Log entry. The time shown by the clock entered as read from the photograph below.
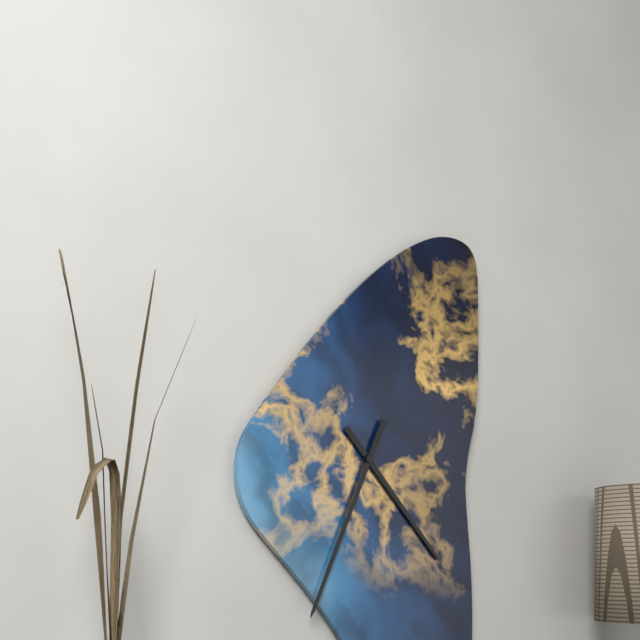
4:34
